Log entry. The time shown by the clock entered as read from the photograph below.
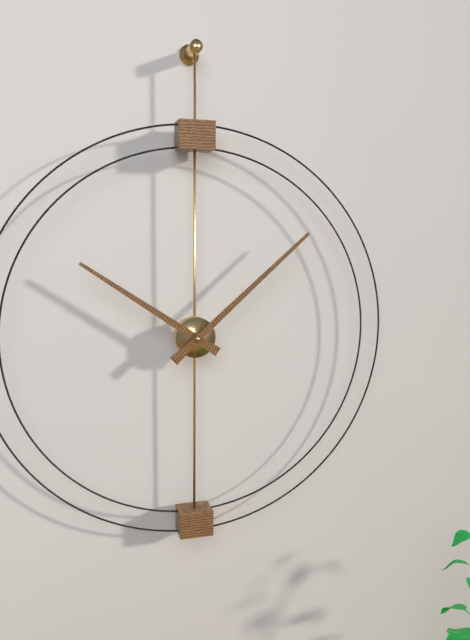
10:08
